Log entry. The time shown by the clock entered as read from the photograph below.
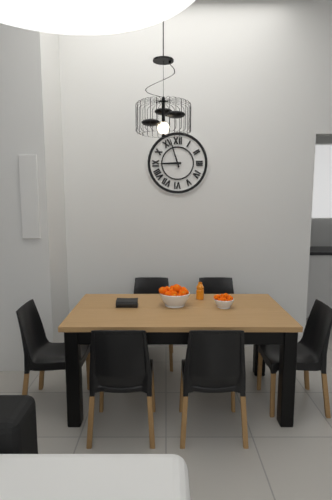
8:57
